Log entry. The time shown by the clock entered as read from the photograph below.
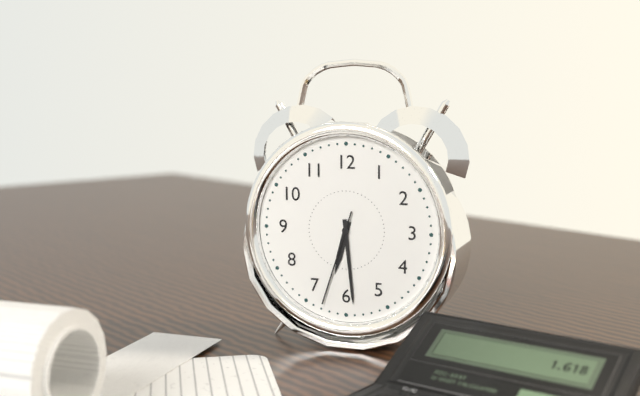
6:29:33
